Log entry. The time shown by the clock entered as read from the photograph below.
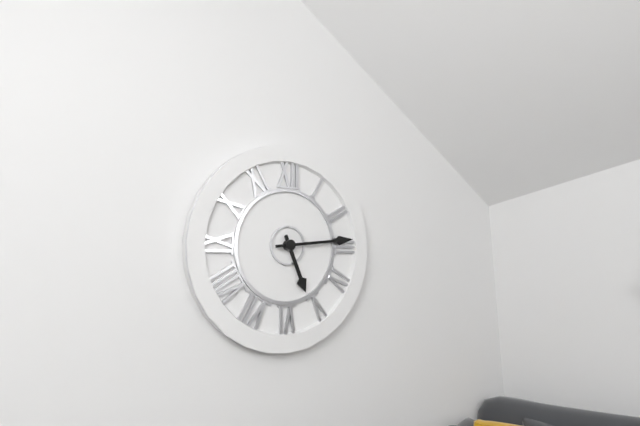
5:14
